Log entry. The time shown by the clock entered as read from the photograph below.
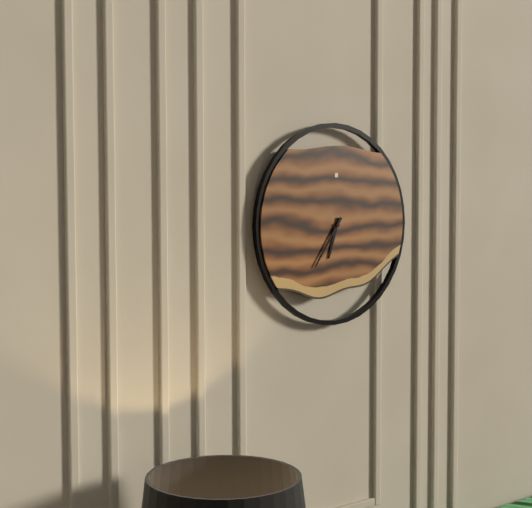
6:36
